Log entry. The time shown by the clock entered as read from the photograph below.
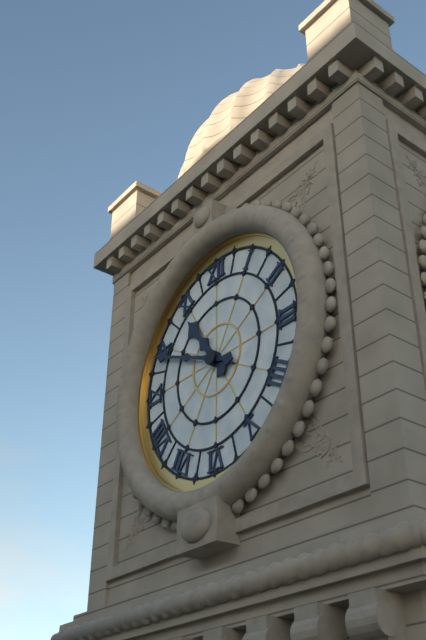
10:49
